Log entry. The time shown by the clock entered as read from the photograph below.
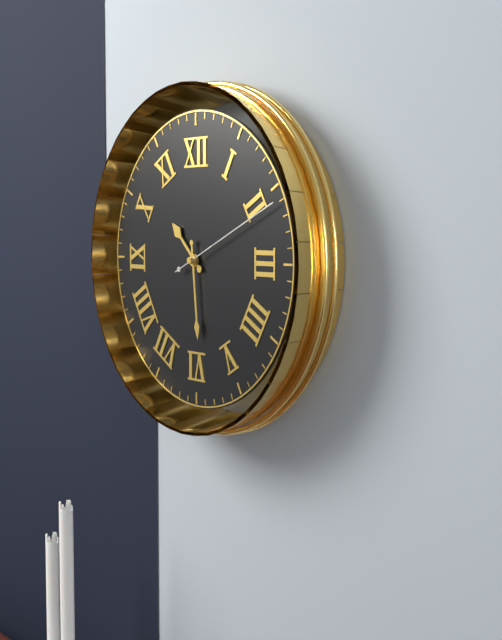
10:29:11
